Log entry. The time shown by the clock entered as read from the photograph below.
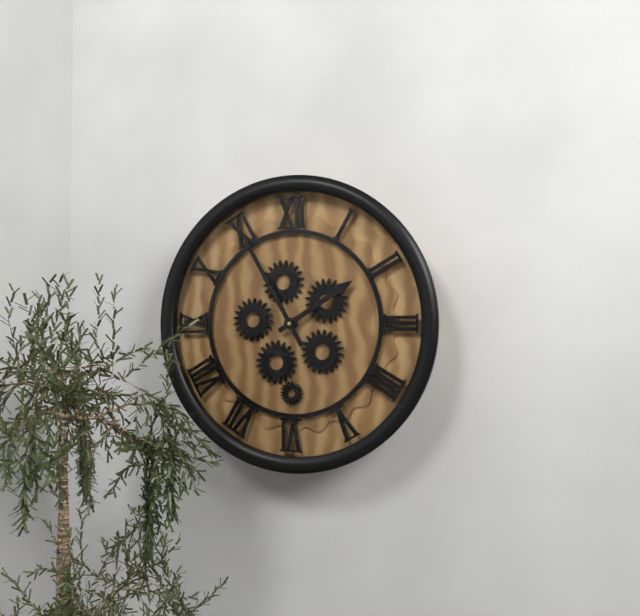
1:55
